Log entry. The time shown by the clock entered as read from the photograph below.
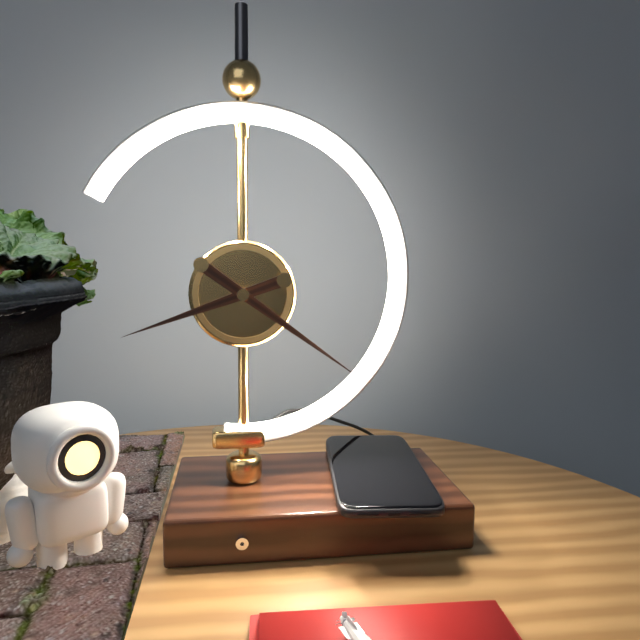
8:21
